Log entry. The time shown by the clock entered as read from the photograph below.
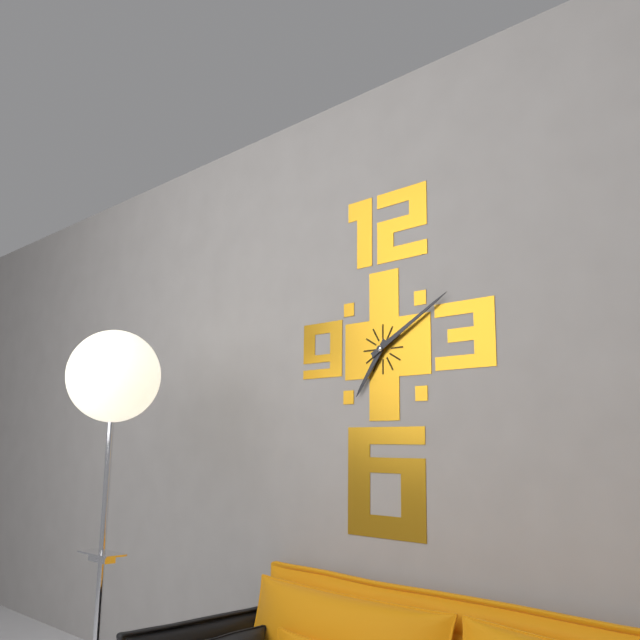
7:10
